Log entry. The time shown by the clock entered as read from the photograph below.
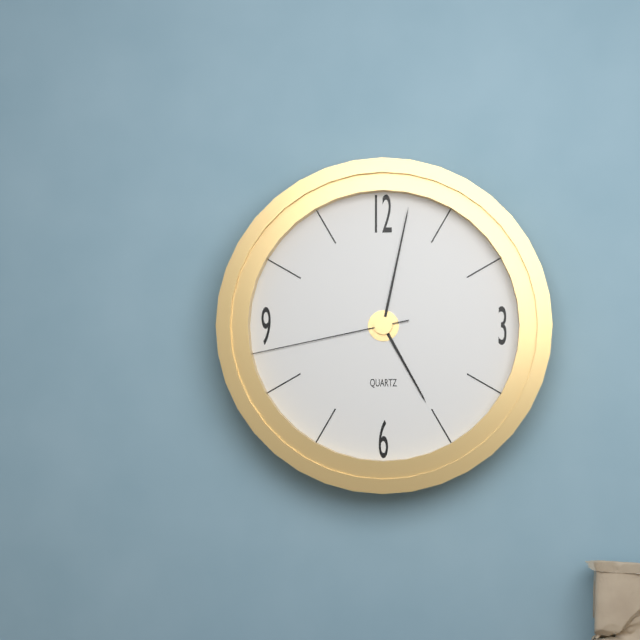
5:02:43
